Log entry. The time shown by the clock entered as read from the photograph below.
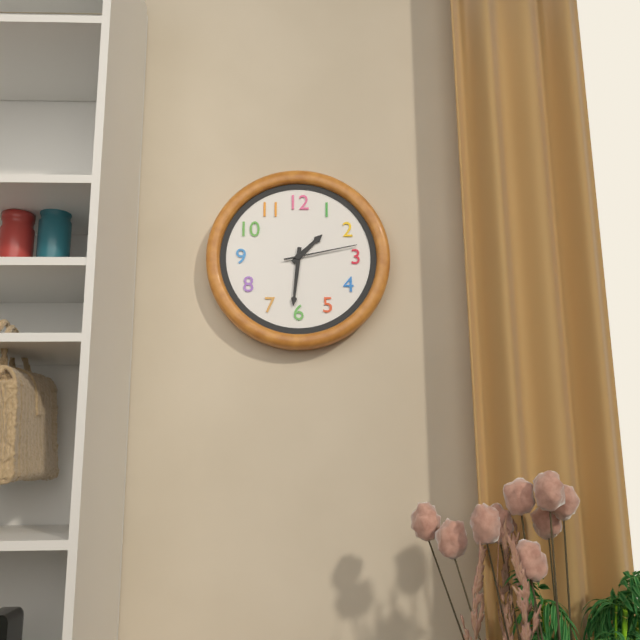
1:31:13
